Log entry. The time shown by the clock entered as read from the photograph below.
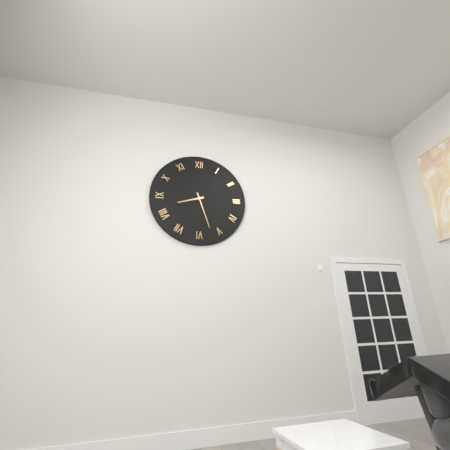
8:27
